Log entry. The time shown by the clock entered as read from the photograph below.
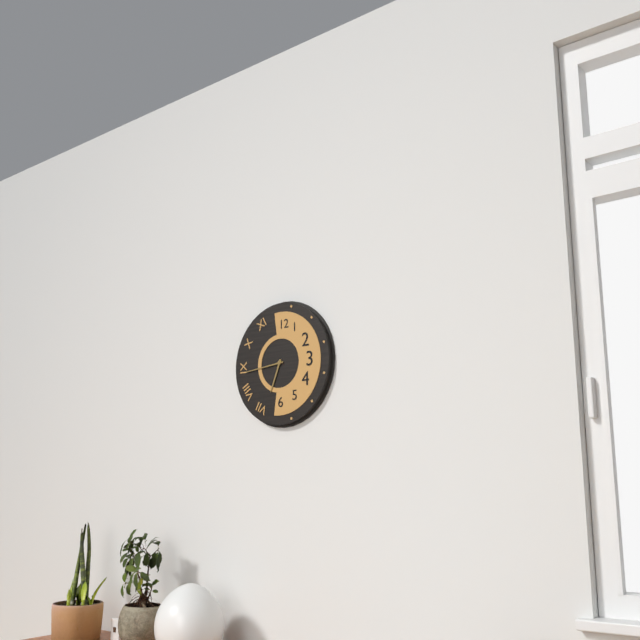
6:44
